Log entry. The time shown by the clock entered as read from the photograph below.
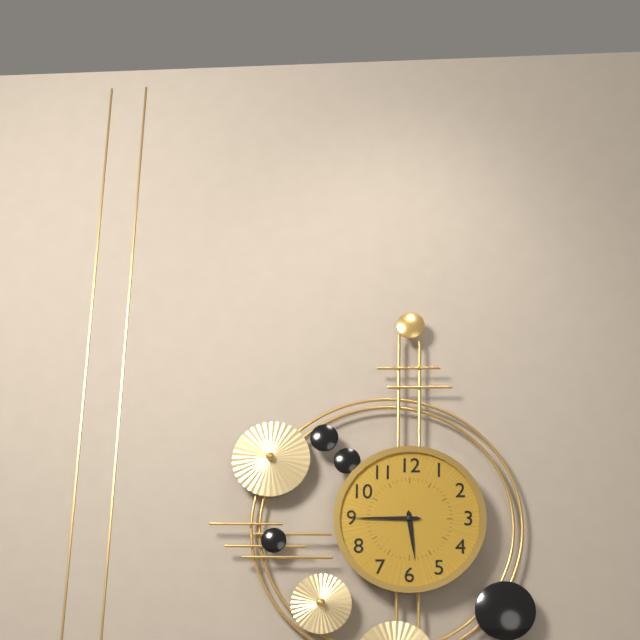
5:45
